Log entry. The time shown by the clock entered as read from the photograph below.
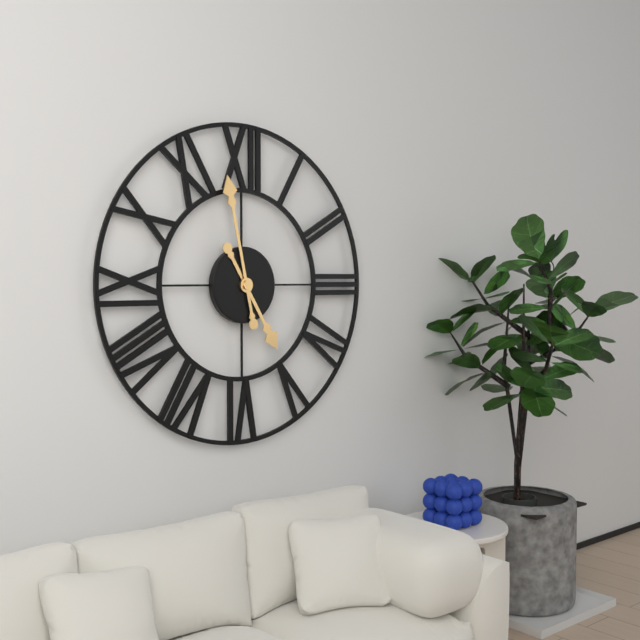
4:58
